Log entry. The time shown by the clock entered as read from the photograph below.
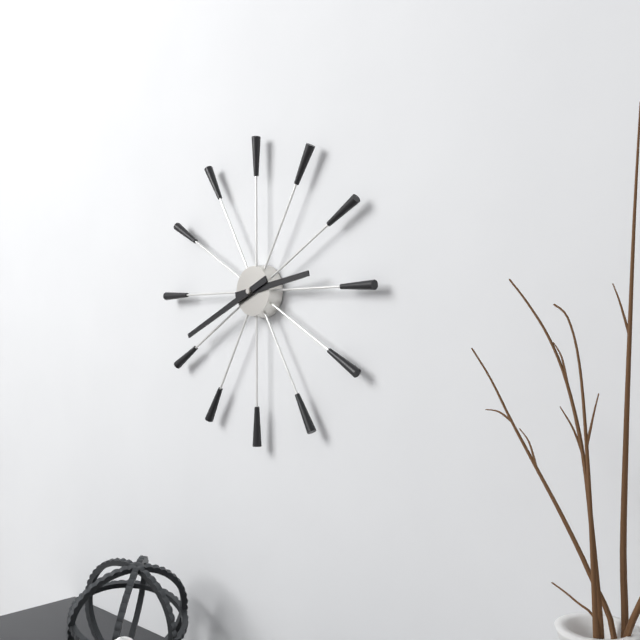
2:41
